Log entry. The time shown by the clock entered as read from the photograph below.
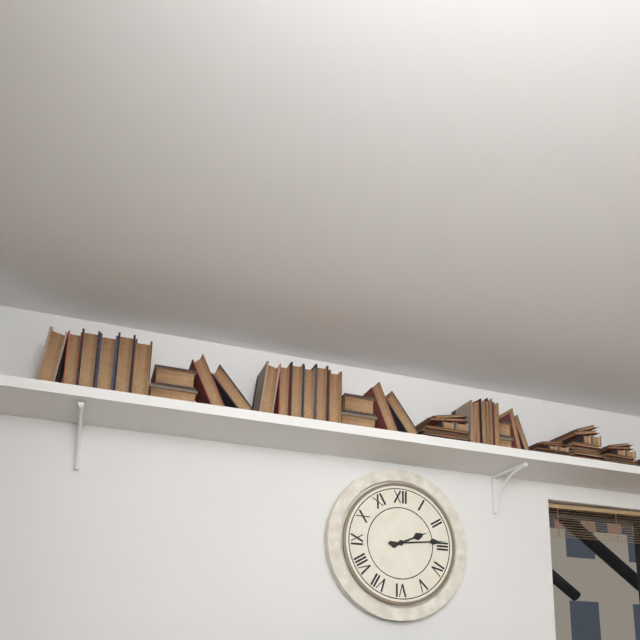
2:14
